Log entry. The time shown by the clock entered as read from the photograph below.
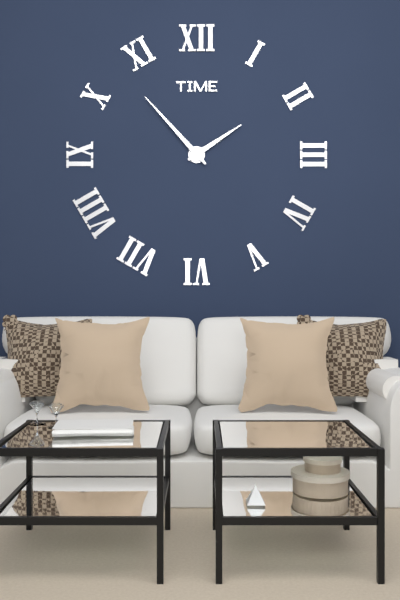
1:53
